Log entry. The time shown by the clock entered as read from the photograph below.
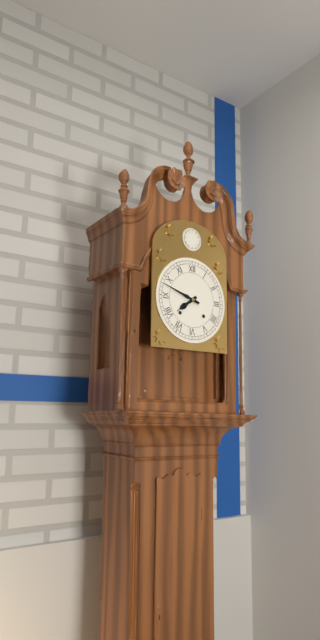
7:48
